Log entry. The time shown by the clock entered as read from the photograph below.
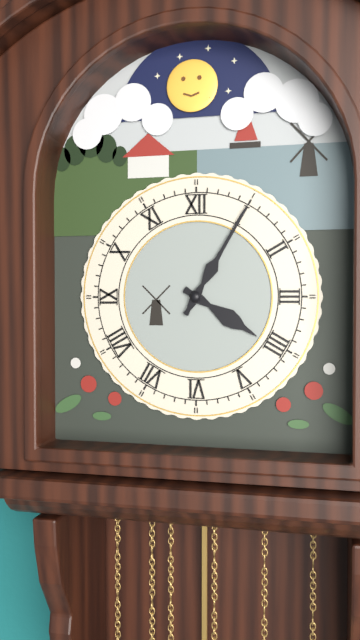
4:05
